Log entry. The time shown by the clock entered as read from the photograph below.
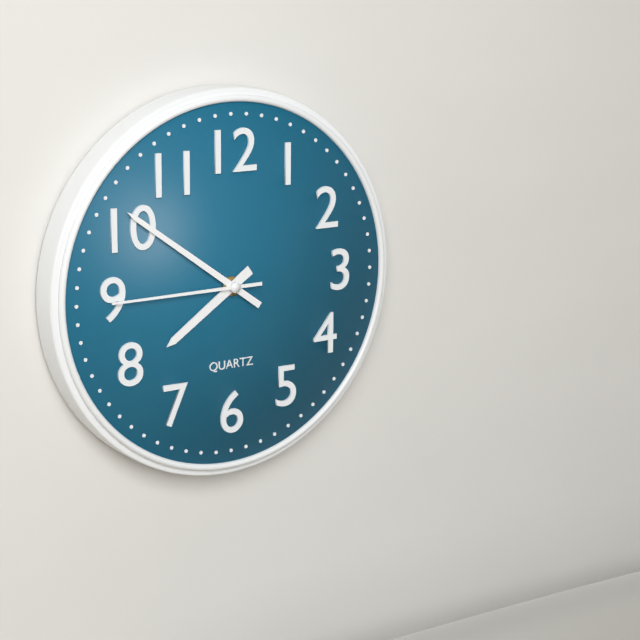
7:51:45
